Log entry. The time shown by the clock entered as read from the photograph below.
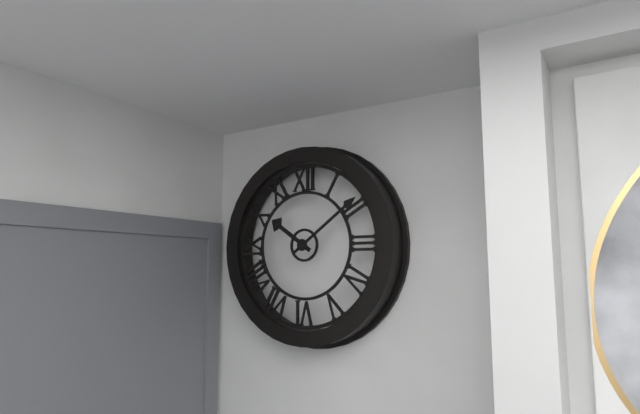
10:09
